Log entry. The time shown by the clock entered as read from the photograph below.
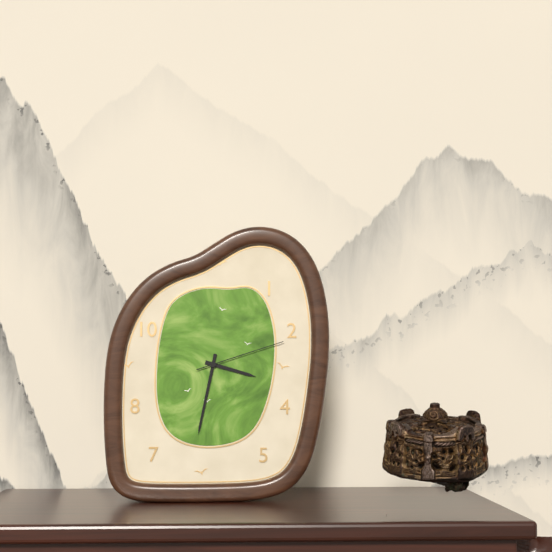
3:32:12
